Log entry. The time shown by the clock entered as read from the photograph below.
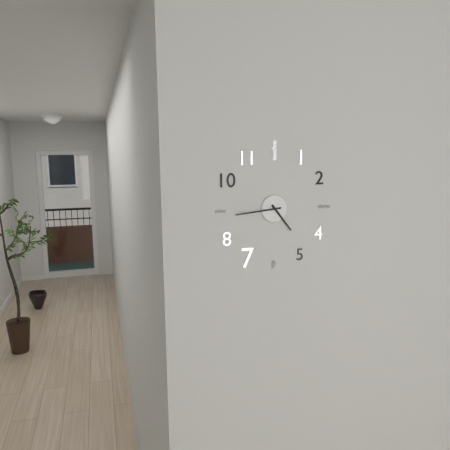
4:44
